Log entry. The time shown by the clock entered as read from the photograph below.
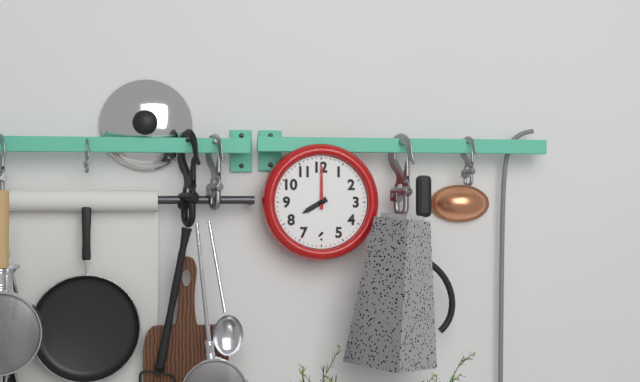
8:00
